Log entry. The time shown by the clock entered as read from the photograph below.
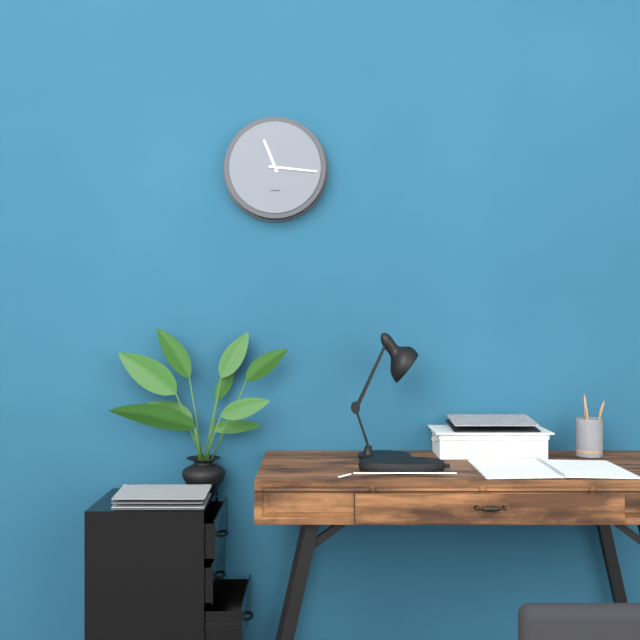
11:16
